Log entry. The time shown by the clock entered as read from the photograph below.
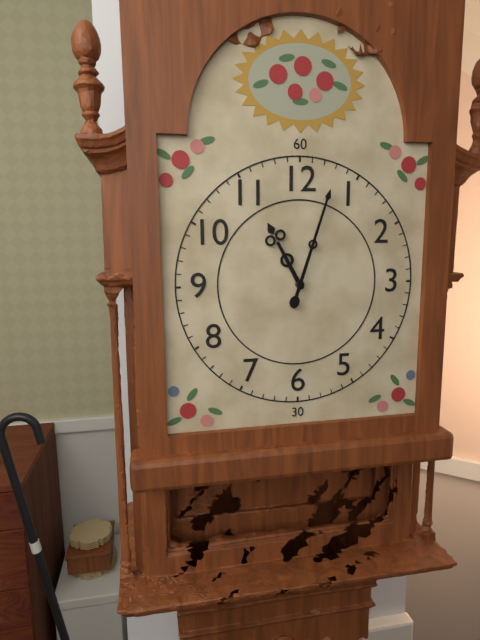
11:03
